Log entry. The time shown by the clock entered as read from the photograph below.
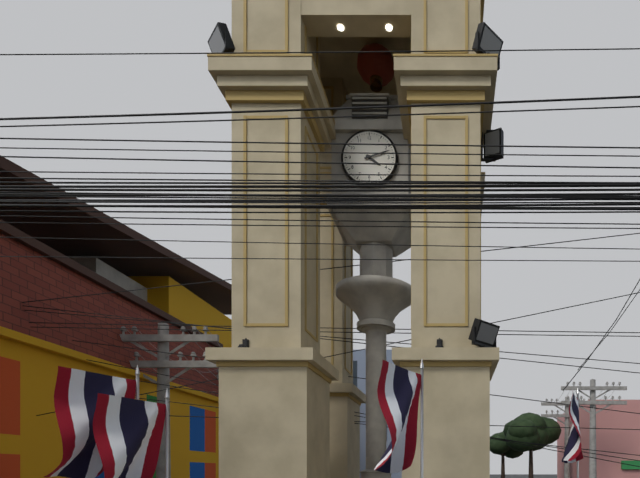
4:12
